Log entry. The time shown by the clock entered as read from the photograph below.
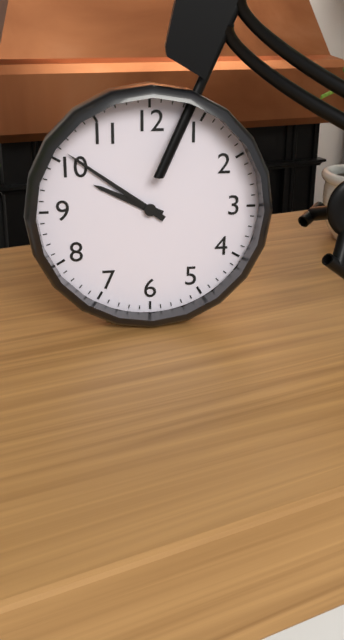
9:51
